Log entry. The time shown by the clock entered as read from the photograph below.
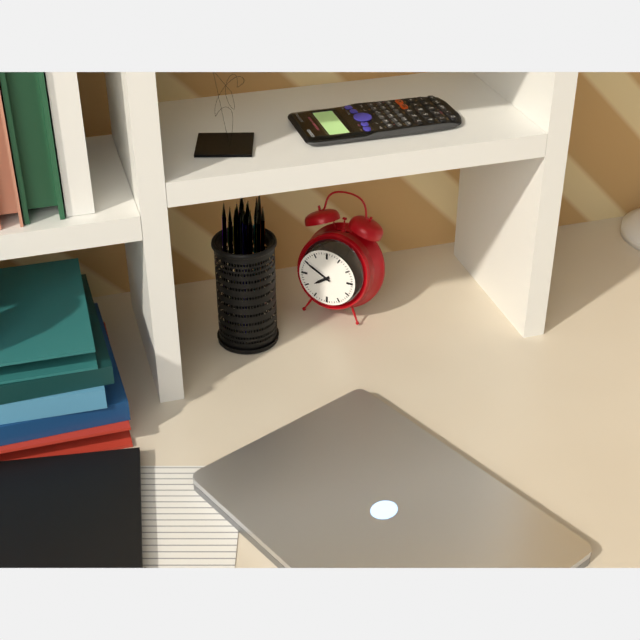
7:50
